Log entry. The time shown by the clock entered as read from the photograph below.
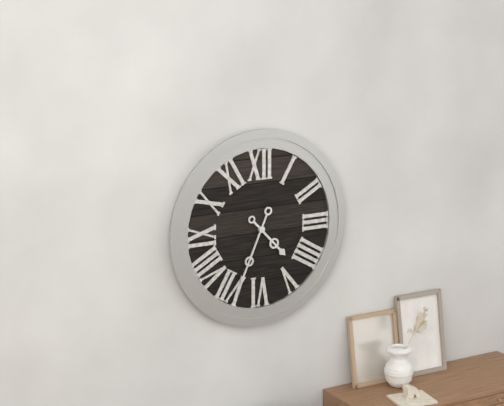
4:34
